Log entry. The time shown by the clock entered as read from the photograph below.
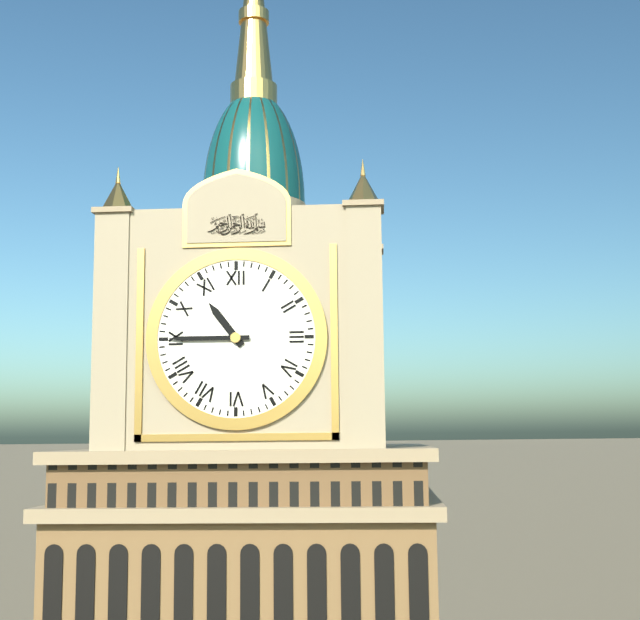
10:45
